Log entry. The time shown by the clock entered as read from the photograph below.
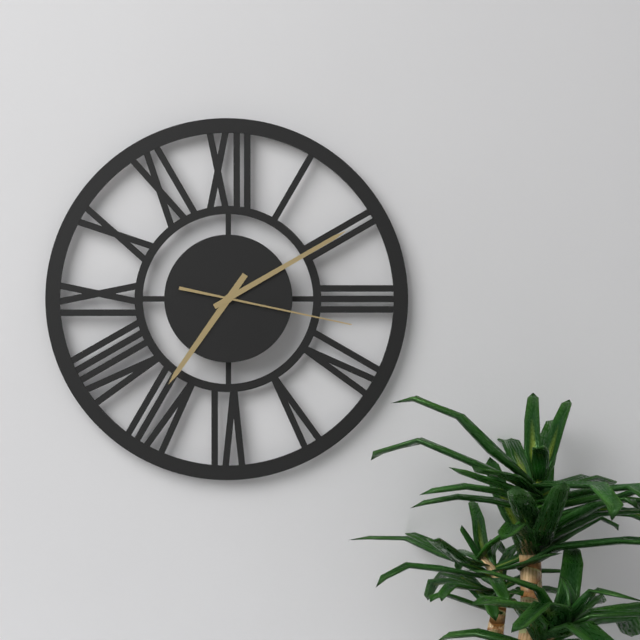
7:10:17
